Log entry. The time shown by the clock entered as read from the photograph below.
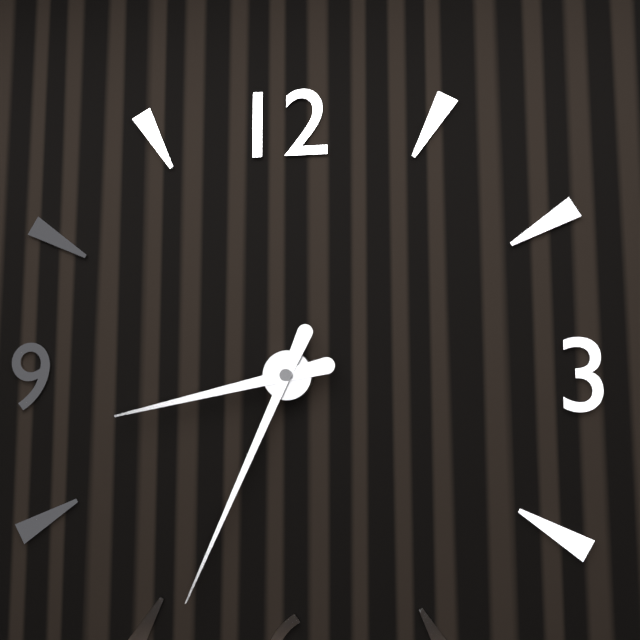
8:34
